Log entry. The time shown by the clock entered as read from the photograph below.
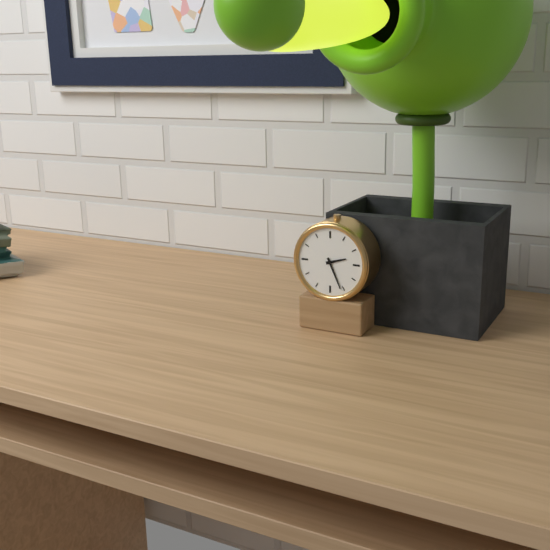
2:26
